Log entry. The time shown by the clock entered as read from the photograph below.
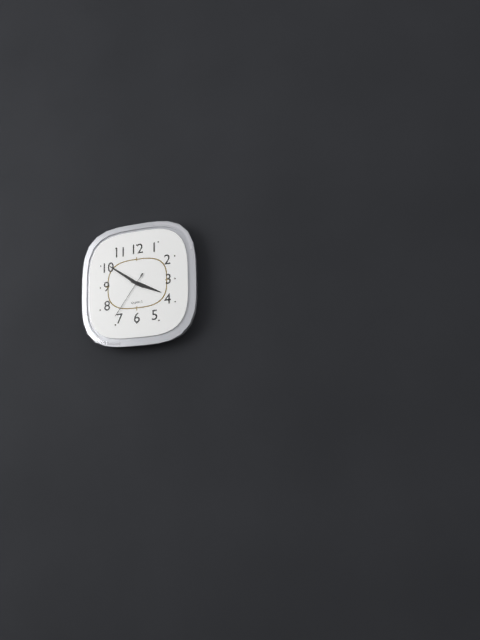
3:51
